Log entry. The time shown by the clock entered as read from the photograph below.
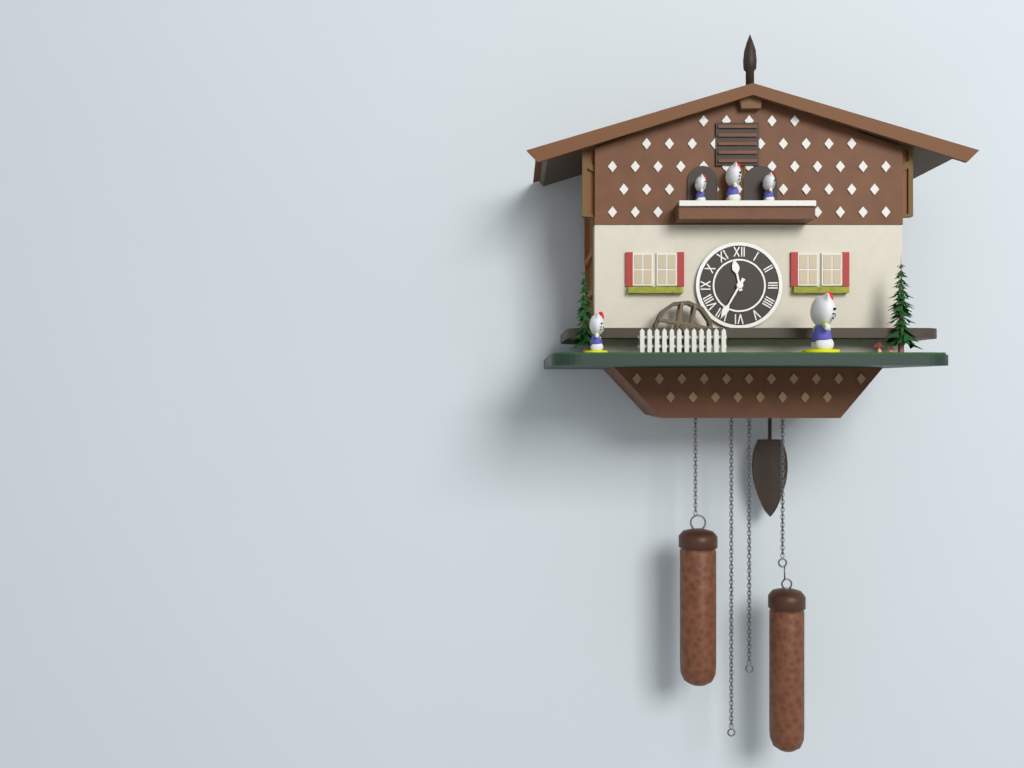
11:35
